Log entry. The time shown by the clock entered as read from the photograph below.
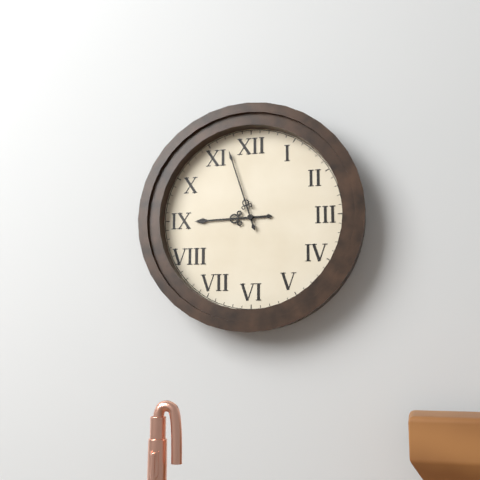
8:57
